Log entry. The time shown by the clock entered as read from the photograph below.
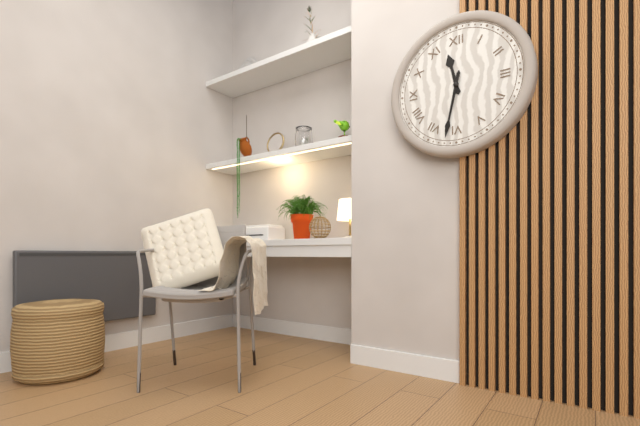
11:32
